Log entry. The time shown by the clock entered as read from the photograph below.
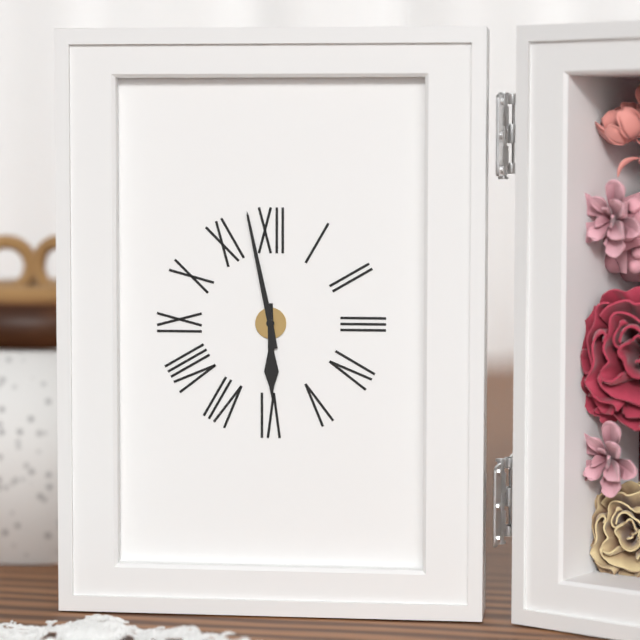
5:58
